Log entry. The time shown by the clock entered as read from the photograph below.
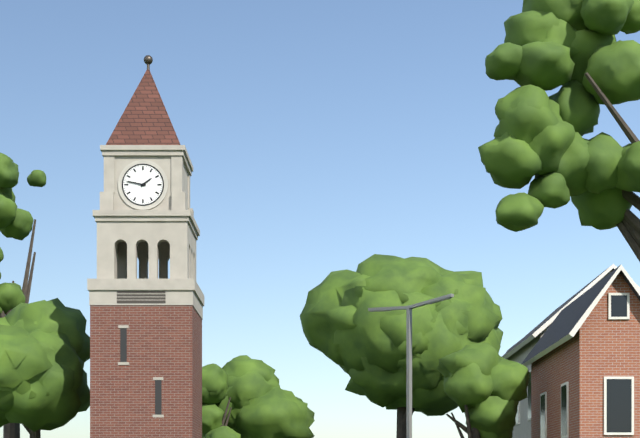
1:47
